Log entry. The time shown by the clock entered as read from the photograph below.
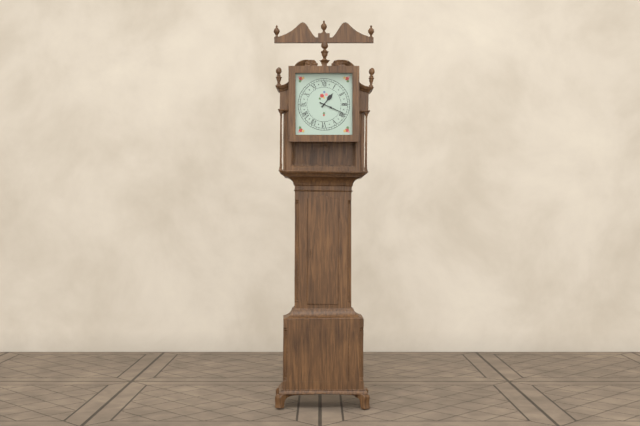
1:19
